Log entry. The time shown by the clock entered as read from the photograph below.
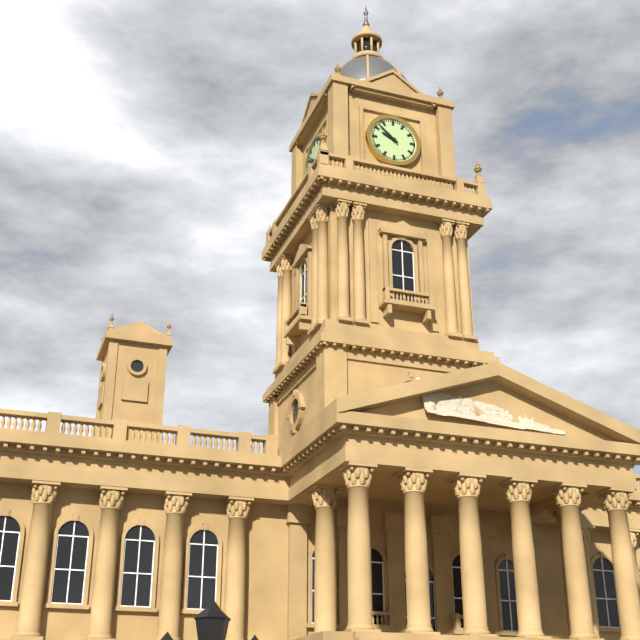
9:52
